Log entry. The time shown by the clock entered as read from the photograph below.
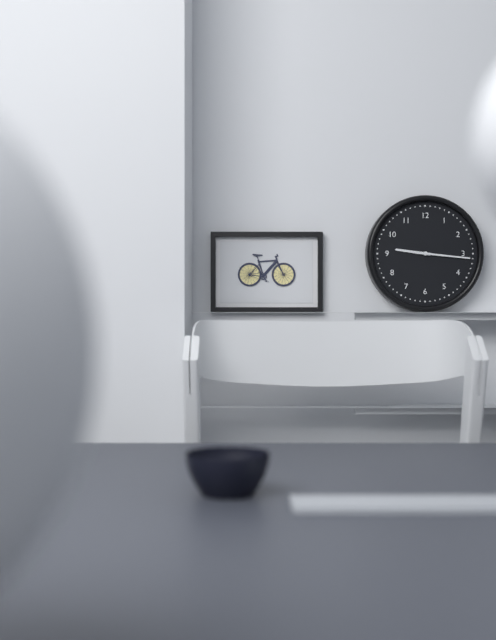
9:16
